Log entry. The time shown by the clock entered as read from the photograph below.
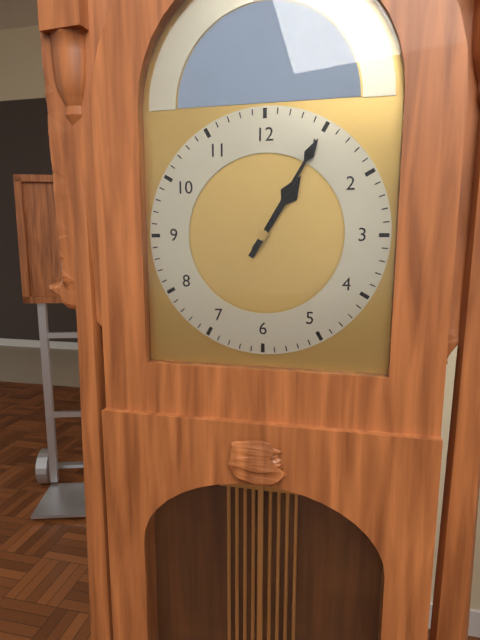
1:05
